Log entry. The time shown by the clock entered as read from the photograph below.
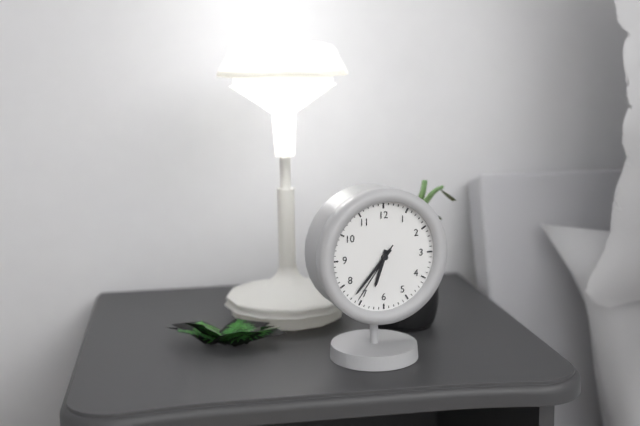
6:37:36
